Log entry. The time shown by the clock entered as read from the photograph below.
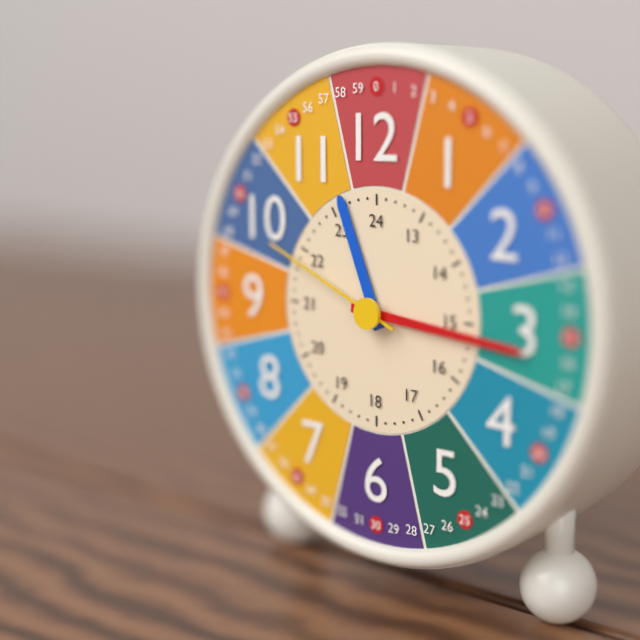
11:16:49
